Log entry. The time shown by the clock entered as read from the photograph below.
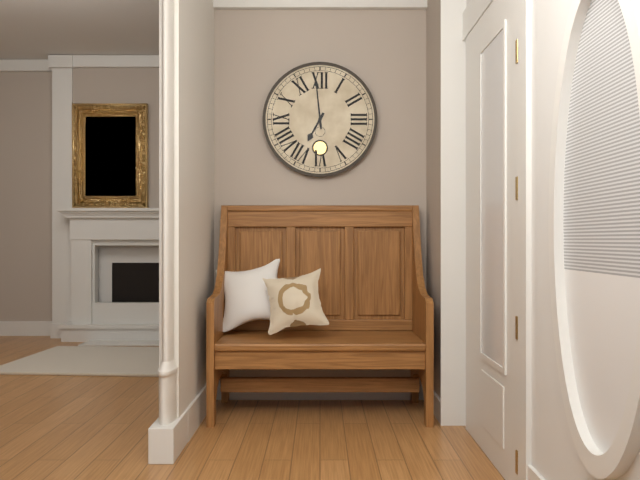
6:59
